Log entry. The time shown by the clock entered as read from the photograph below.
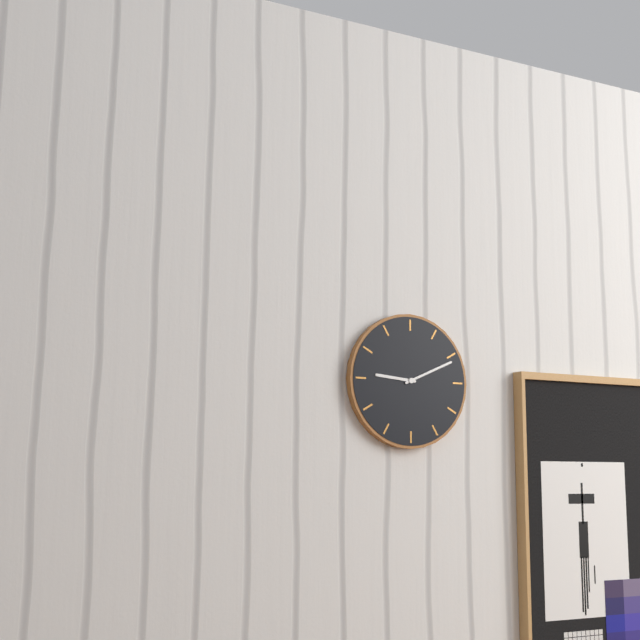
9:11
